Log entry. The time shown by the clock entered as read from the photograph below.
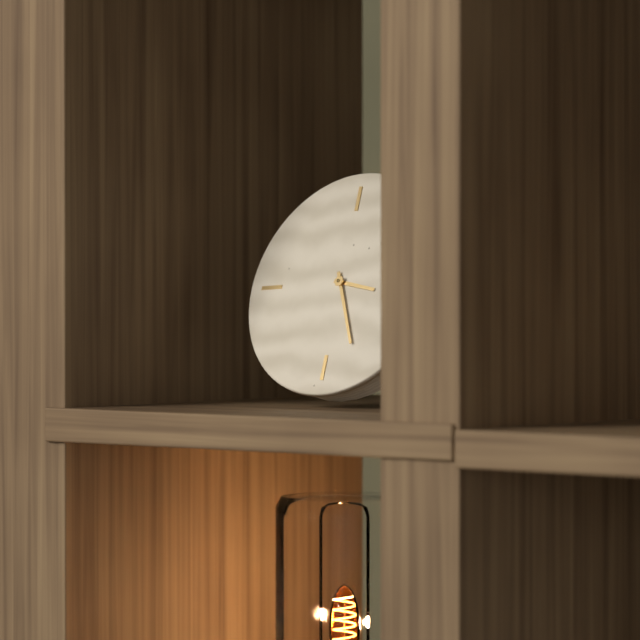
3:26
